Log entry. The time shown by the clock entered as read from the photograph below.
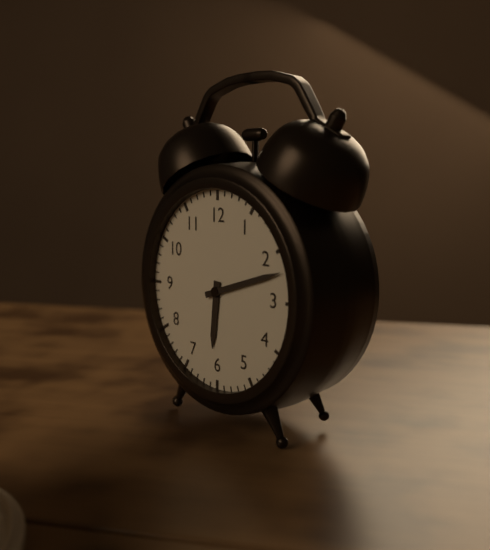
6:12
